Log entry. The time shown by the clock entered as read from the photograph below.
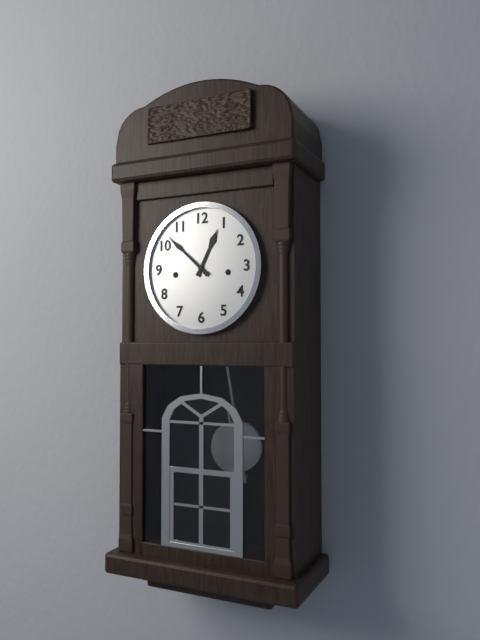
12:52
